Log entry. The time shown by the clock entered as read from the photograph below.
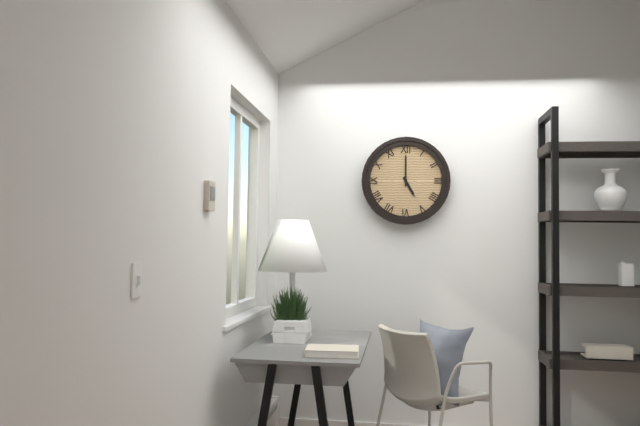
5:00
